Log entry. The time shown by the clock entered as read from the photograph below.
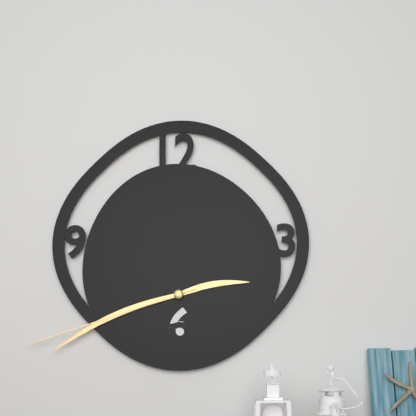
2:41:42
